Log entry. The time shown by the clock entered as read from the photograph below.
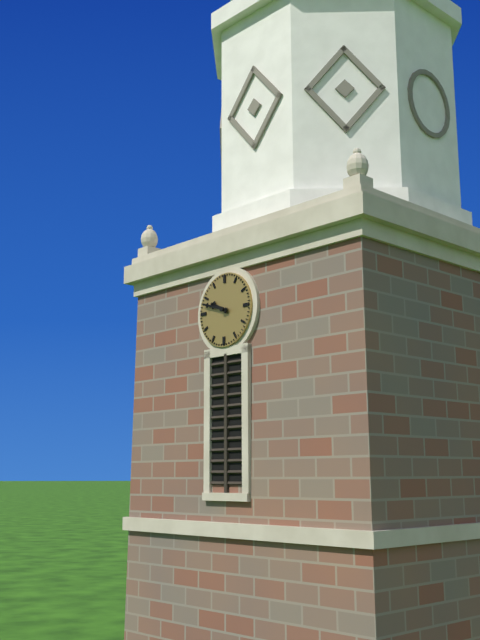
9:48
